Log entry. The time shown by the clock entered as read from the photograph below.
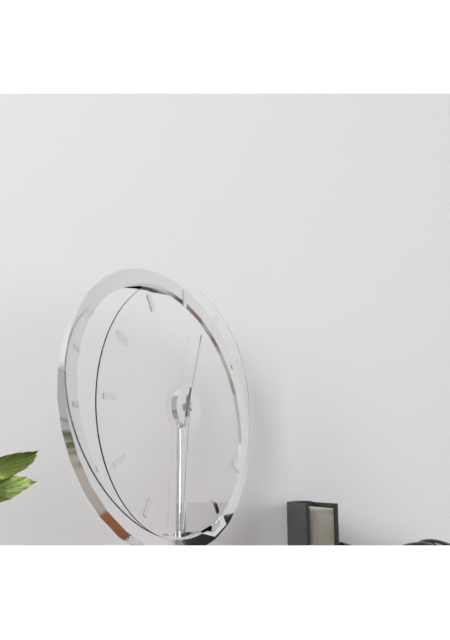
12:31
